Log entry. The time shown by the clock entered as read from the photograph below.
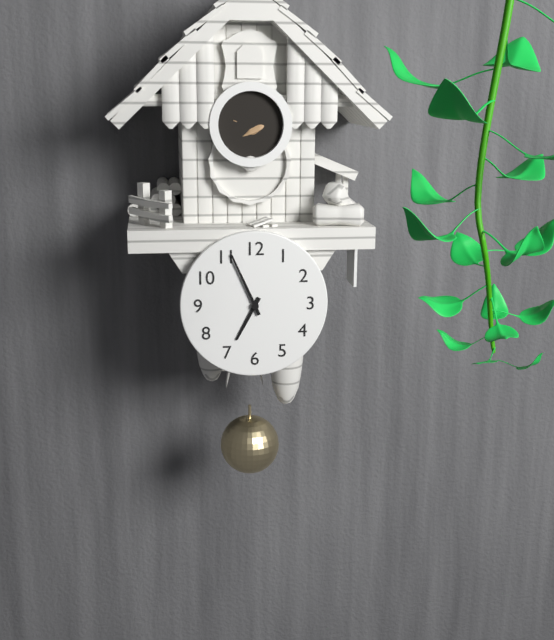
6:56
